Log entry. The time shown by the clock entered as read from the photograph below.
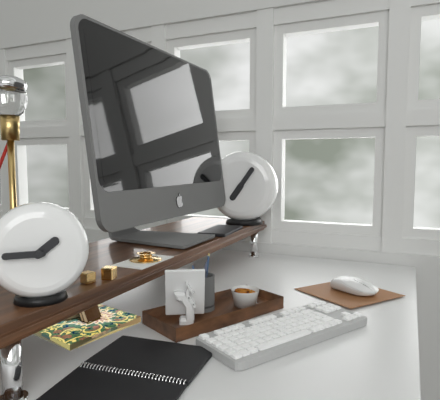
1:45
